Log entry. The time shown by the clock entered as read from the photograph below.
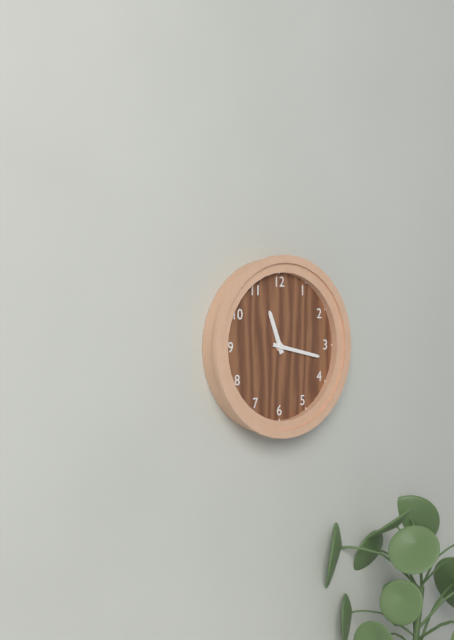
11:17
